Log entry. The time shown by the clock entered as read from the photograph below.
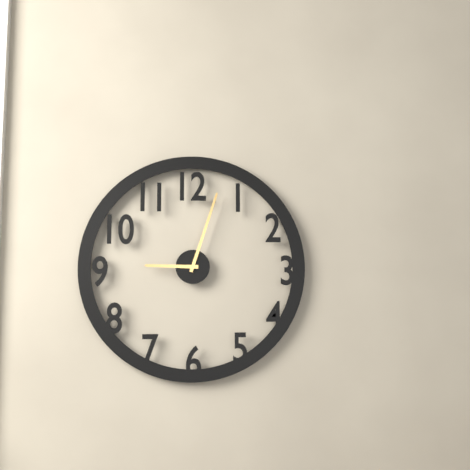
9:03
